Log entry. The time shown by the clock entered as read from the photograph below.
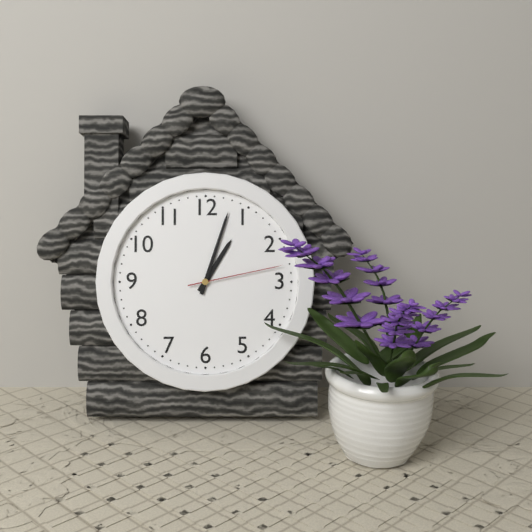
1:03:13
